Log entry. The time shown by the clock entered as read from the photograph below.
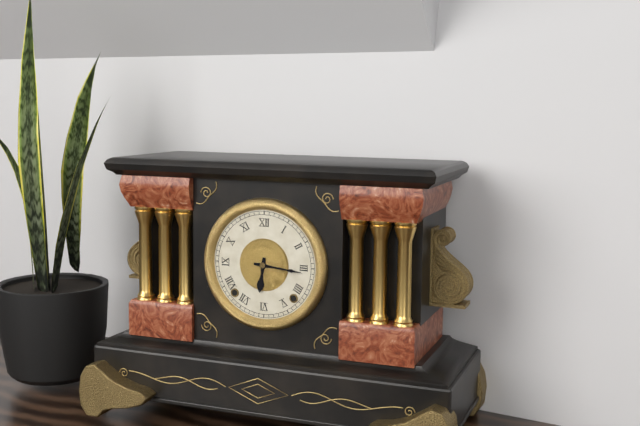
6:16
